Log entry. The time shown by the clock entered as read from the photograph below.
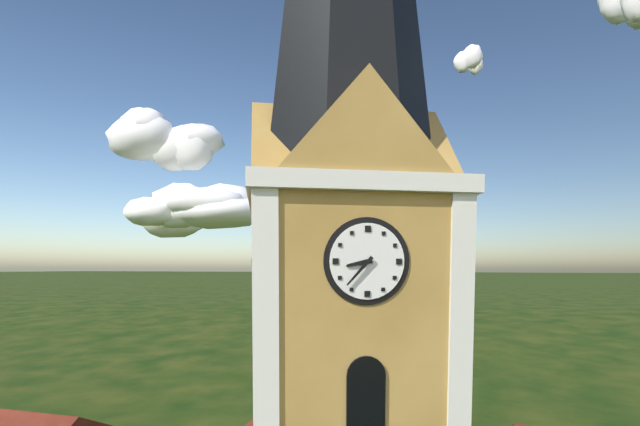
8:37
